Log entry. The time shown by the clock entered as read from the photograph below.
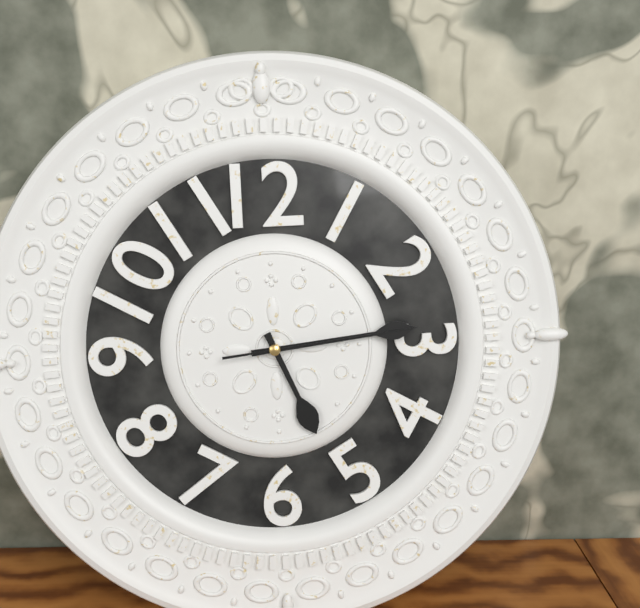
5:14:14
